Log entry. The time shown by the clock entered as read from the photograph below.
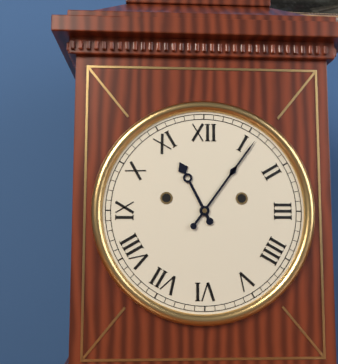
11:06
